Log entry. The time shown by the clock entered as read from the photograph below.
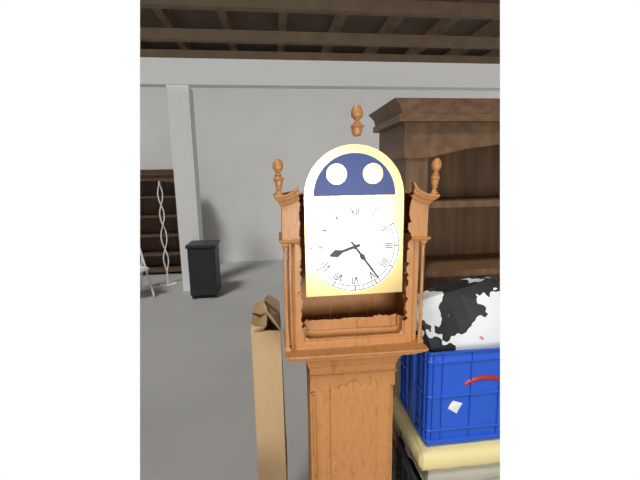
8:24
